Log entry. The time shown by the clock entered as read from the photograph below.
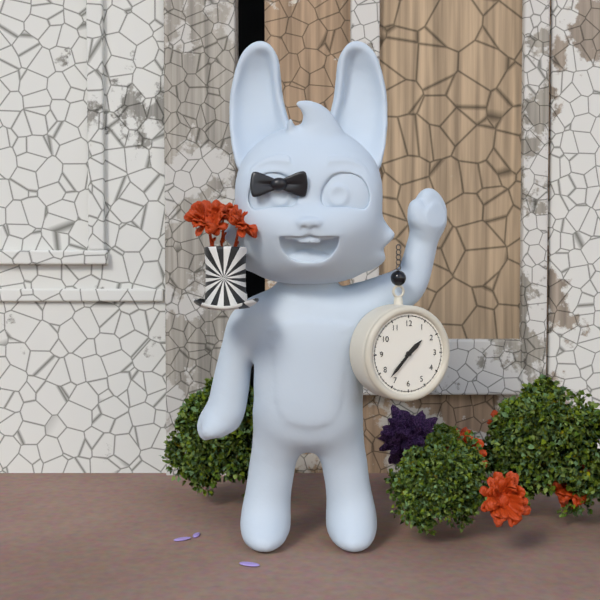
1:37
